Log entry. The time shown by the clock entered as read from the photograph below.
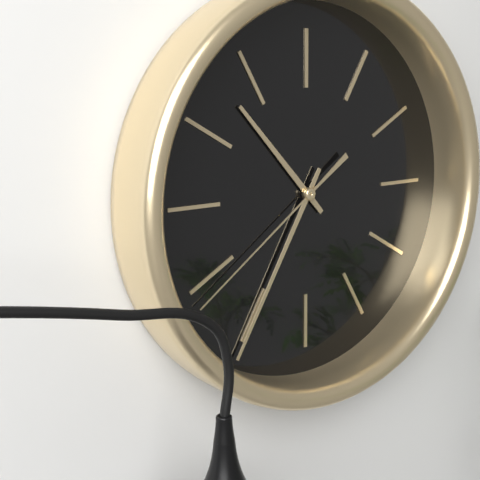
10:35:39
